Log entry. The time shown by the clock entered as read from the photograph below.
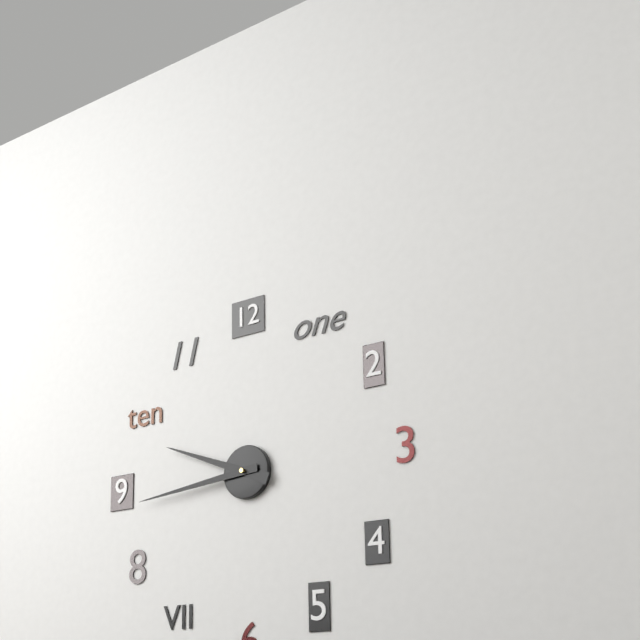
9:44
